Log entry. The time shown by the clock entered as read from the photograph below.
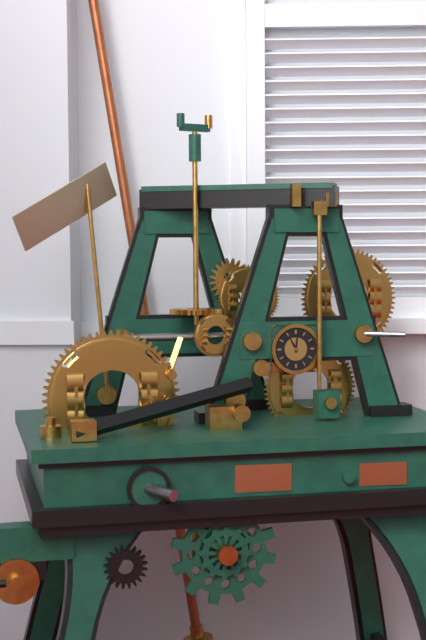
11:01
